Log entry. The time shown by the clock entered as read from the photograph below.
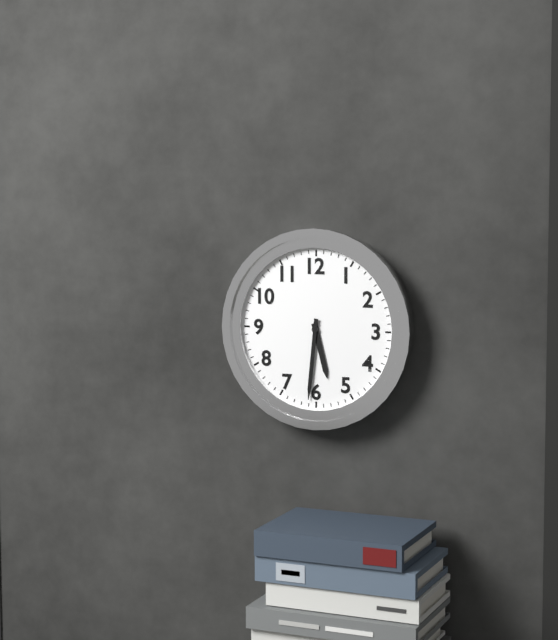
5:31
